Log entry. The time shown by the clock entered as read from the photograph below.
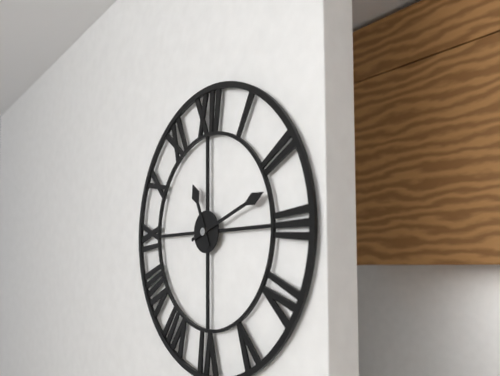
11:12
